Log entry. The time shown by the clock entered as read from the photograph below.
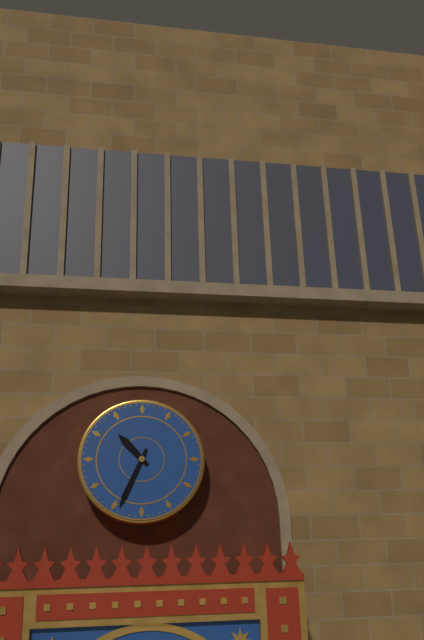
10:34
